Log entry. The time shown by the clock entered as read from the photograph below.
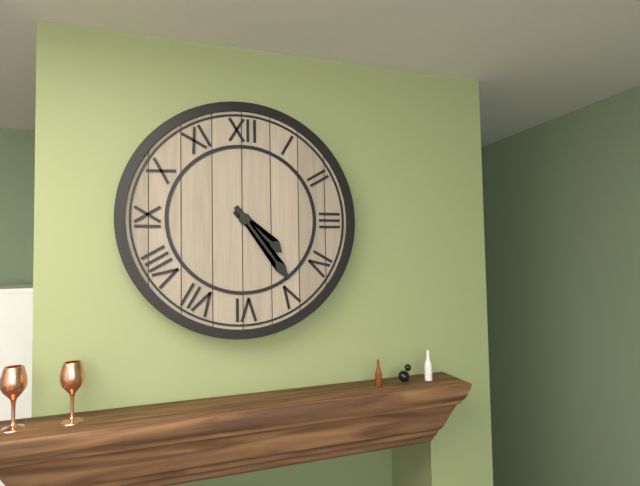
4:24
